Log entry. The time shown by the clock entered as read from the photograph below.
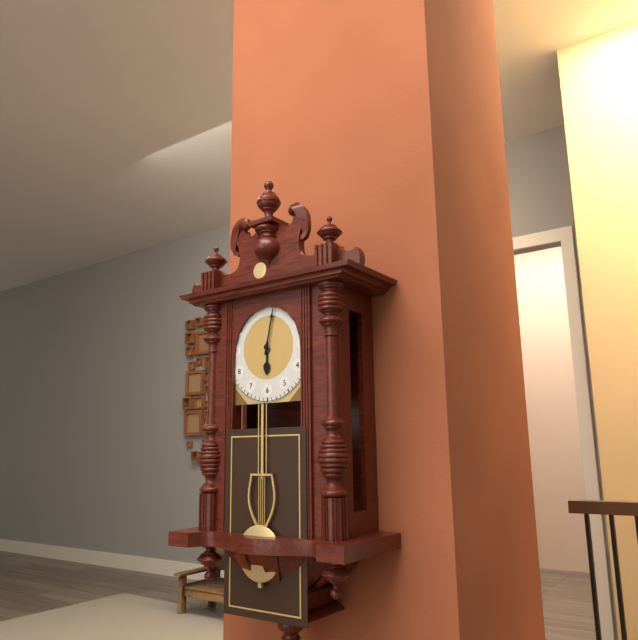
6:02
